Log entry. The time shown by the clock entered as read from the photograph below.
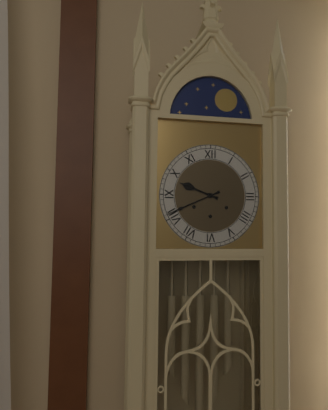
9:41
